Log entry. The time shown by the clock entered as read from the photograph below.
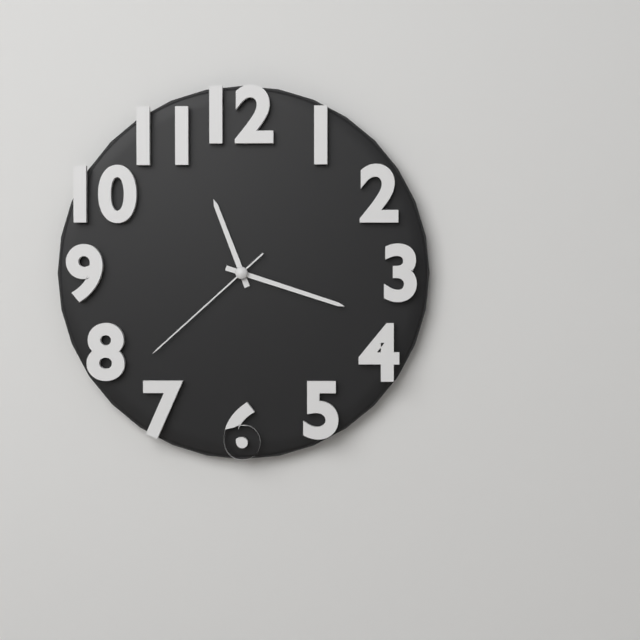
11:18:38
